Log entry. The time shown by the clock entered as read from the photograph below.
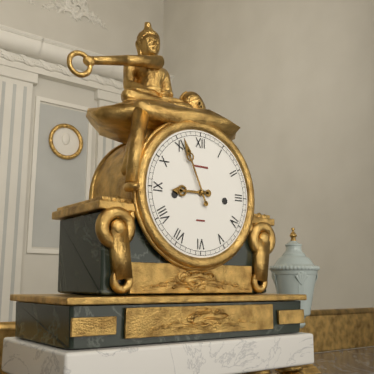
8:56
